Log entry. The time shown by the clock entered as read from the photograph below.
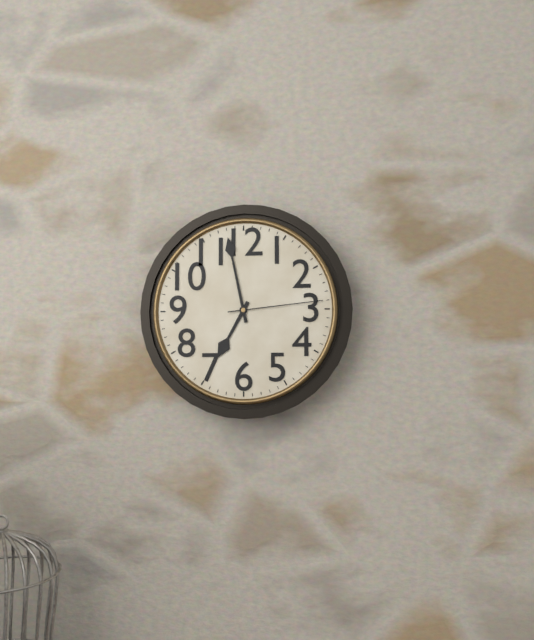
6:58:14
